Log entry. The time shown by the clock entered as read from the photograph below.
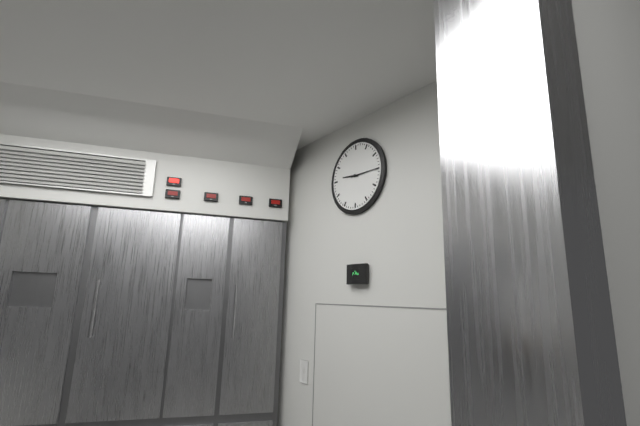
9:15
